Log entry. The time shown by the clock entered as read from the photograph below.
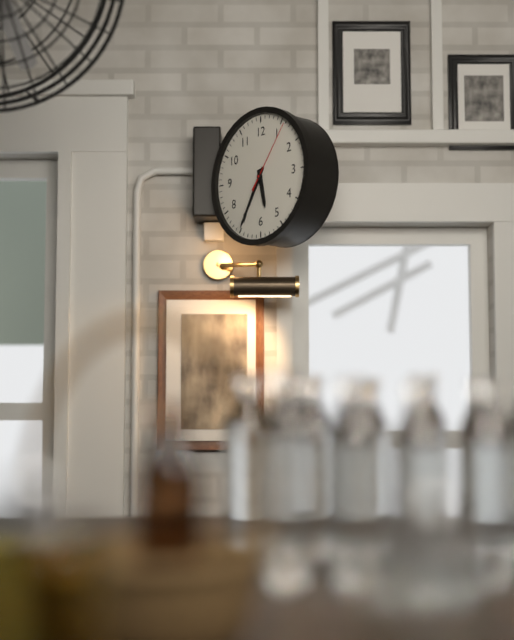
5:35:06
